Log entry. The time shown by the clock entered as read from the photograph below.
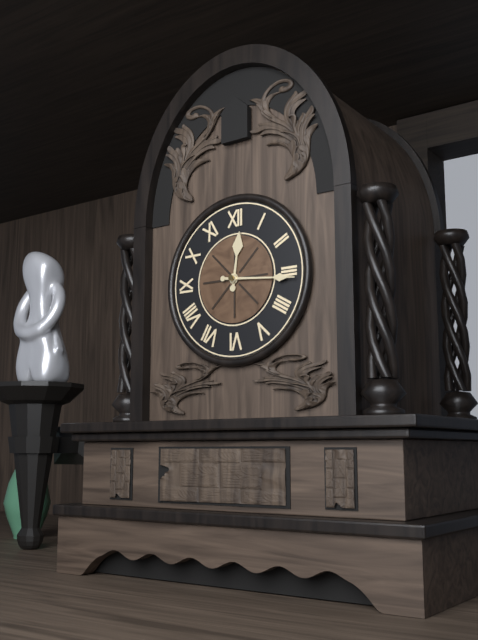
12:16
